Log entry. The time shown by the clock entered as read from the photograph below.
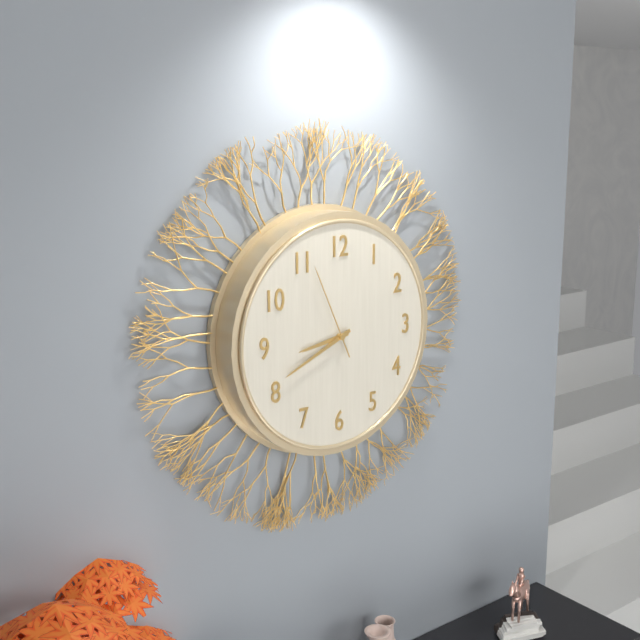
8:41:56
